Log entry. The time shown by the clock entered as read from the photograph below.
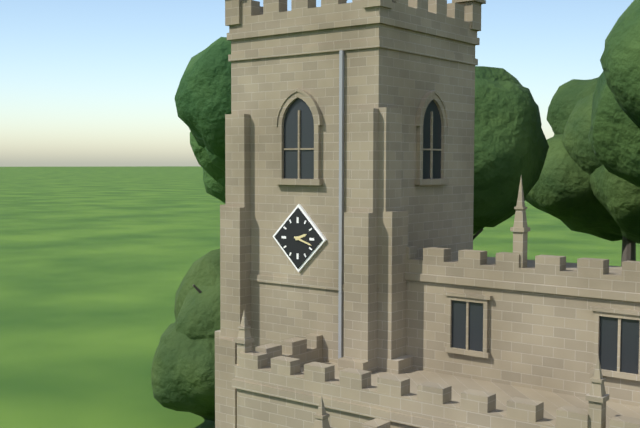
2:18
